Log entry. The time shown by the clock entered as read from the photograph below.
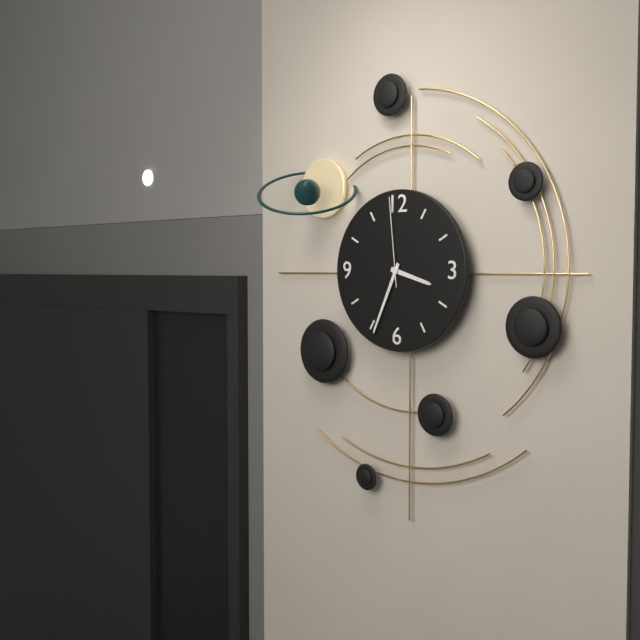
3:34:59
